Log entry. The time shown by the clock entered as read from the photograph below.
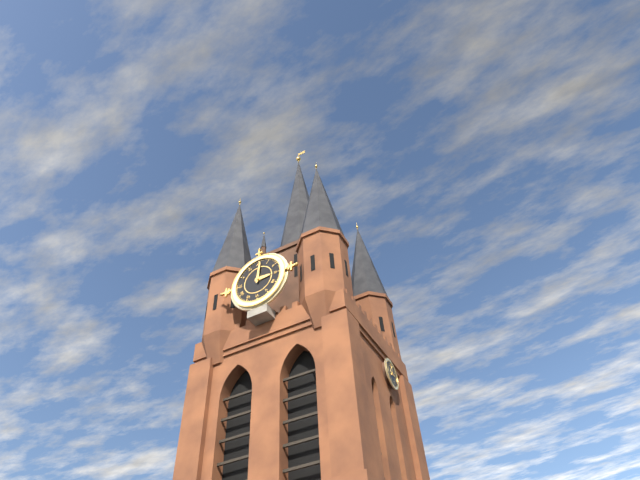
3:01
